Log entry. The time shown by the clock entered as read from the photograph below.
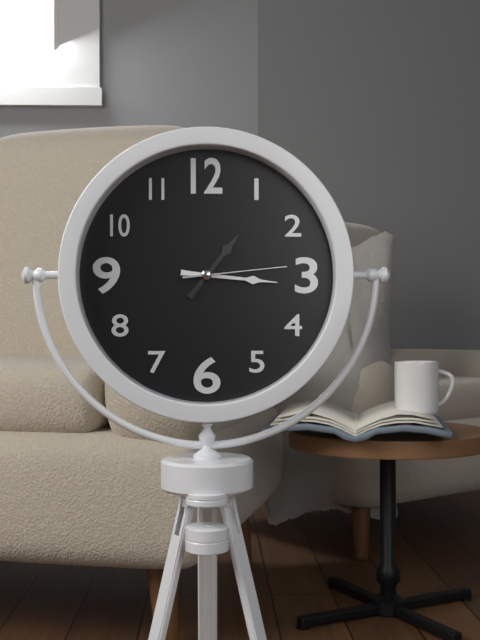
1:16:14
